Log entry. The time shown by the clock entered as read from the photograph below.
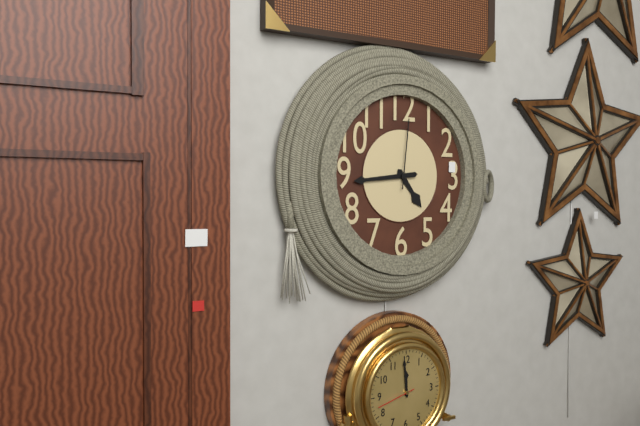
4:44:01
